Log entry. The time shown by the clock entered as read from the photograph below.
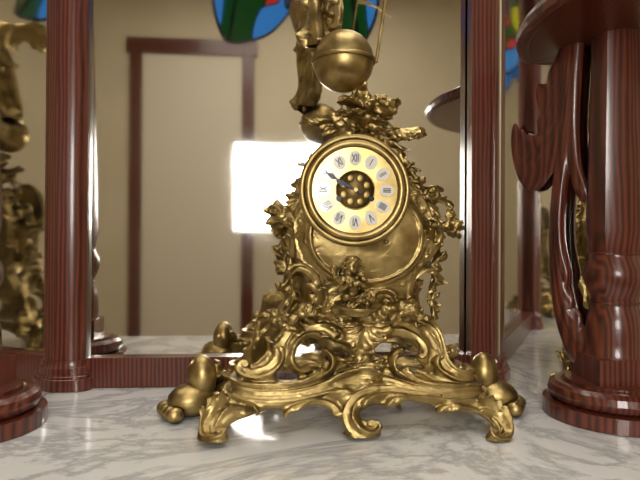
9:50
